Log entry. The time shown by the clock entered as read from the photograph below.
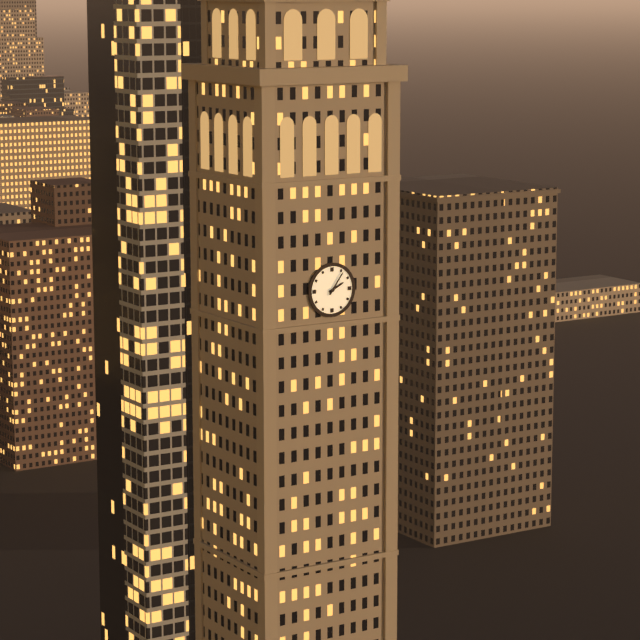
2:06
